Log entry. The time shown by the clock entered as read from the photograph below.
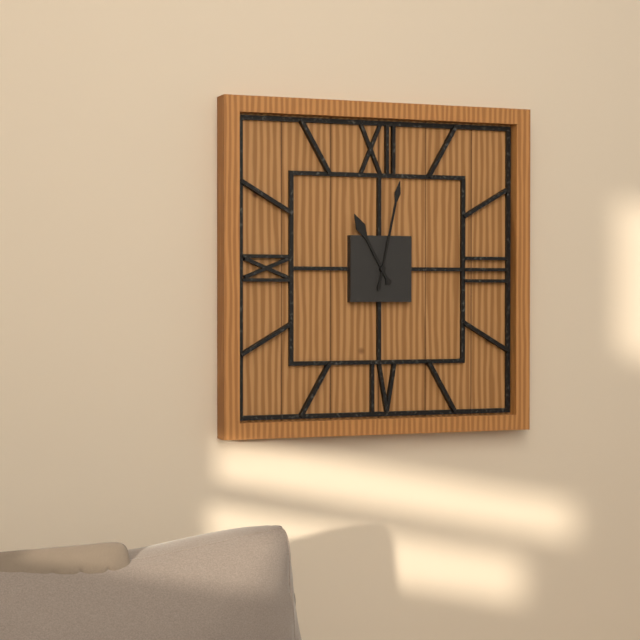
11:02
